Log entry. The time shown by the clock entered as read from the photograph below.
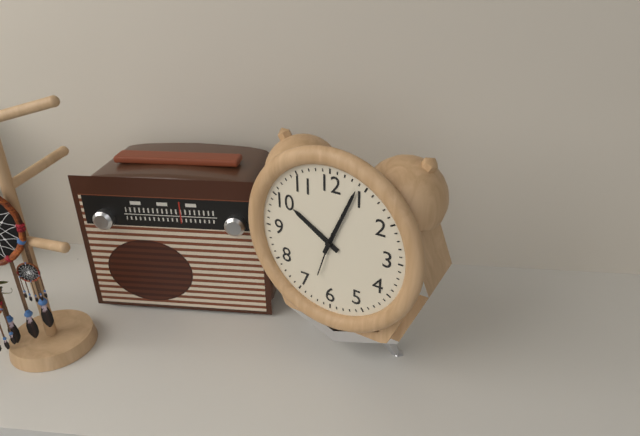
10:04
